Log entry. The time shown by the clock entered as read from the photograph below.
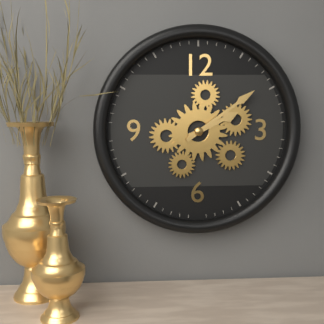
2:09
